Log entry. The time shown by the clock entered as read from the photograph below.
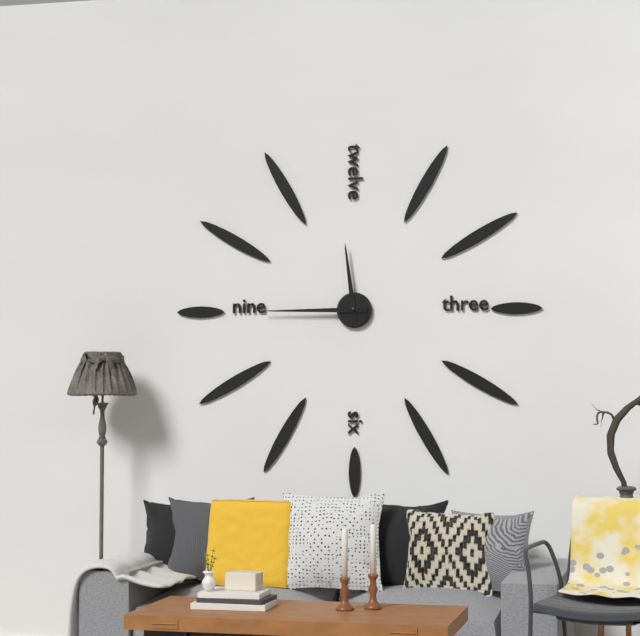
11:45
